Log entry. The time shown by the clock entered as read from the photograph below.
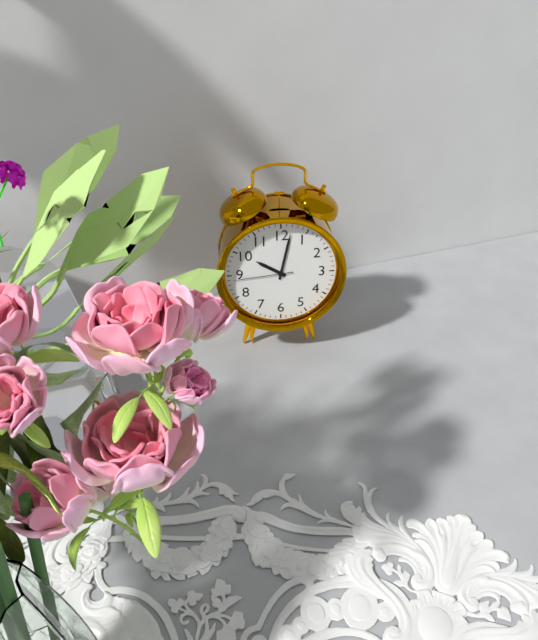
10:02:44
